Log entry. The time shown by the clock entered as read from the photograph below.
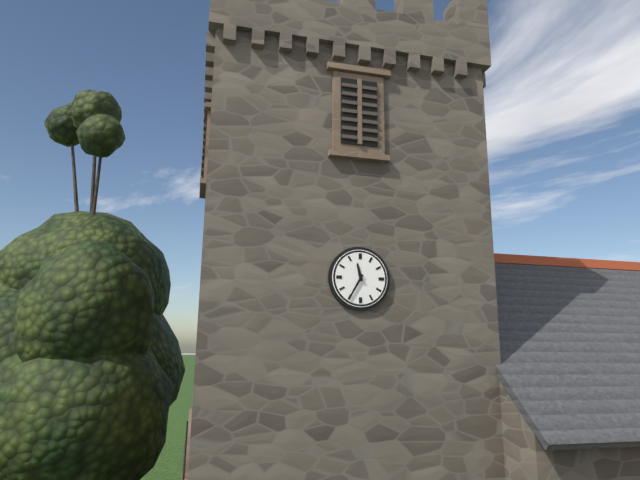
11:35
